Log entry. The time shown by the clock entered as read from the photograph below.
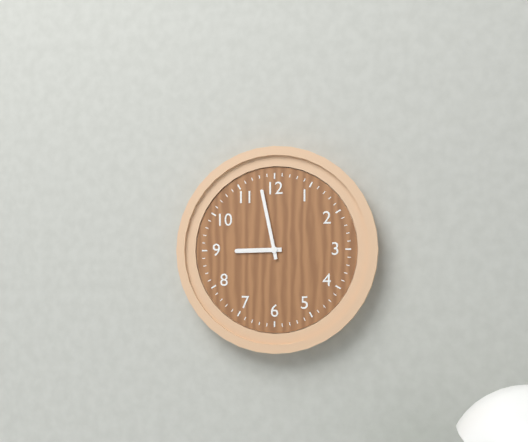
8:58
